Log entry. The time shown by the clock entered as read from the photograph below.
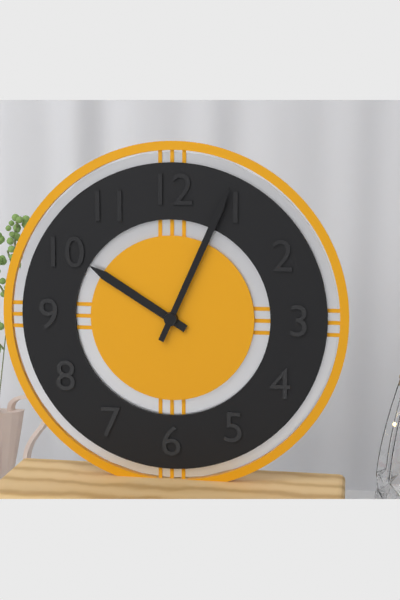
10:04
